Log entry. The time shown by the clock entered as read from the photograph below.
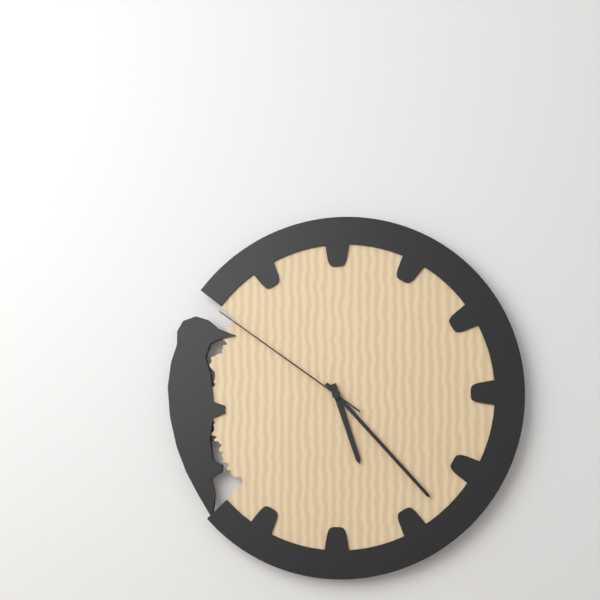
5:23:51
